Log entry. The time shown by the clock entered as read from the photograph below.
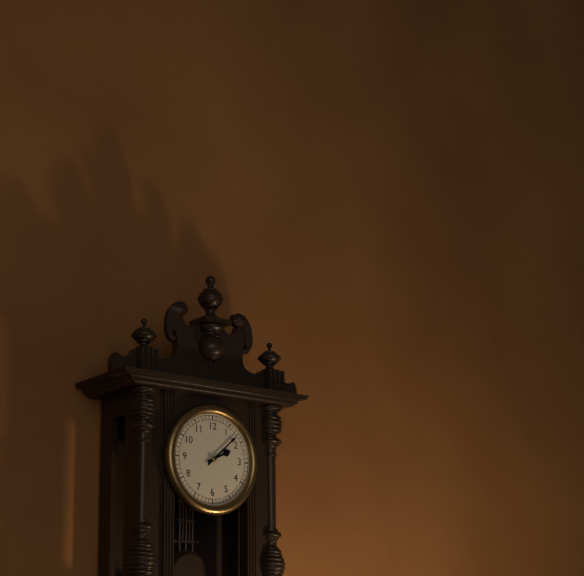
2:08
